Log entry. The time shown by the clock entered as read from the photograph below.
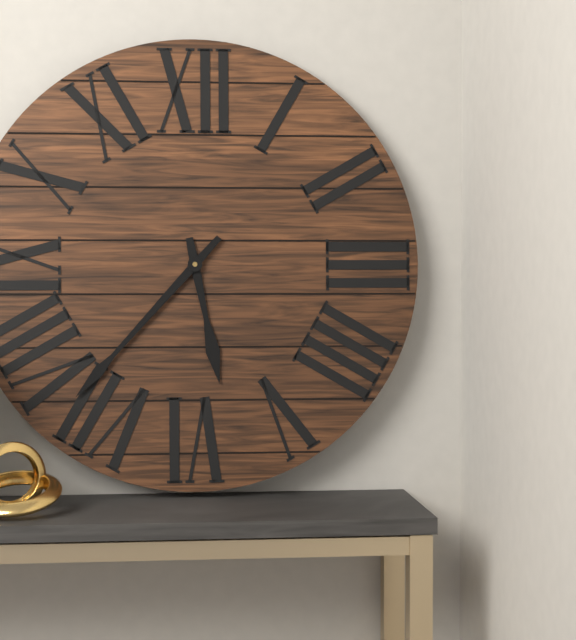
5:37
